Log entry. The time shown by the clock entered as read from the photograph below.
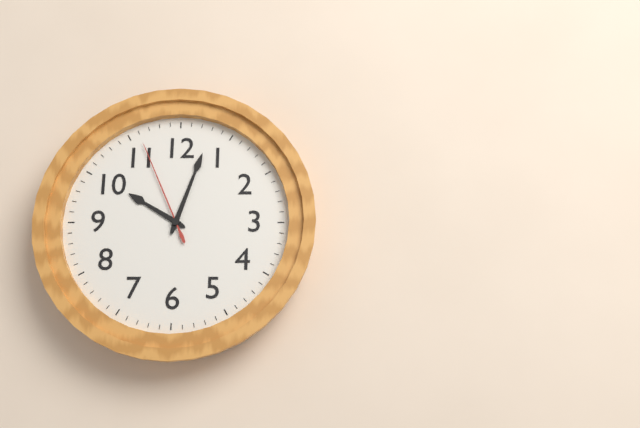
10:03:56
